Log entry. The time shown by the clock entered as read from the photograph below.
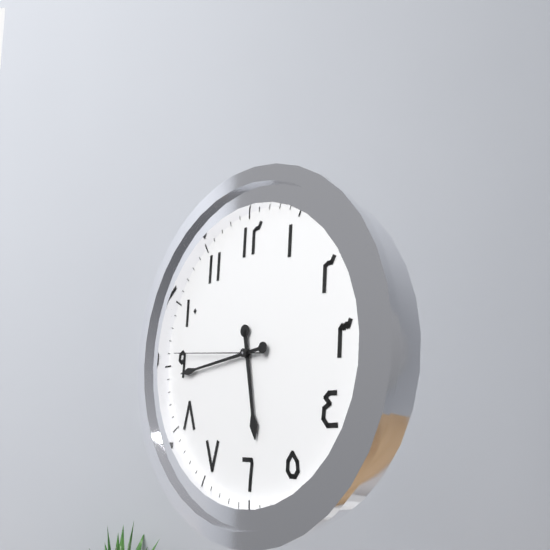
5:44:46
